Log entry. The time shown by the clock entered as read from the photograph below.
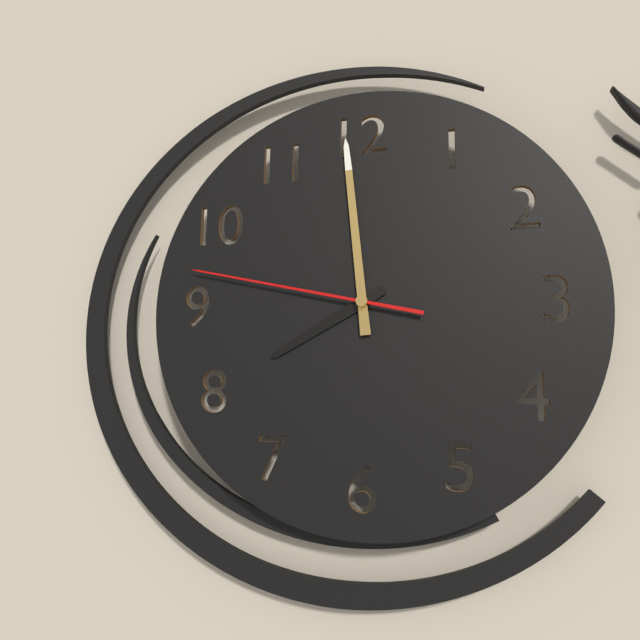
7:59:47
